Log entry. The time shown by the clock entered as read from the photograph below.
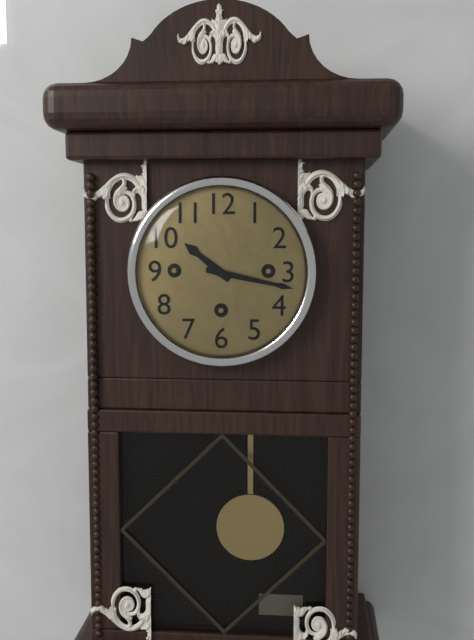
10:17
